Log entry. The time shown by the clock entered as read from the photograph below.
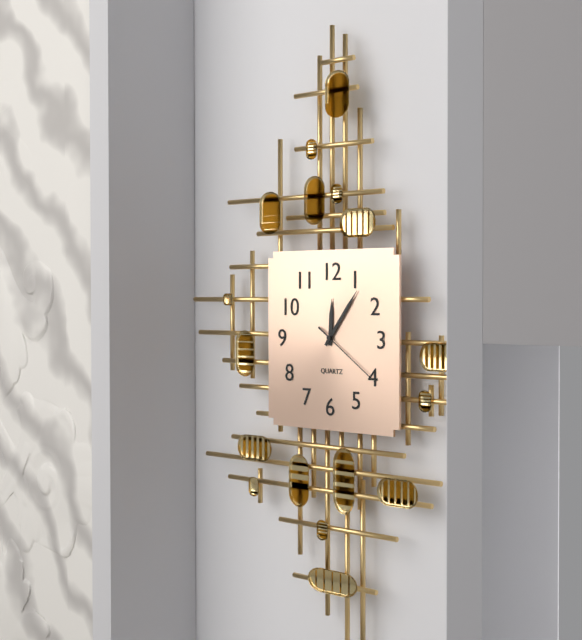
12:06:21
